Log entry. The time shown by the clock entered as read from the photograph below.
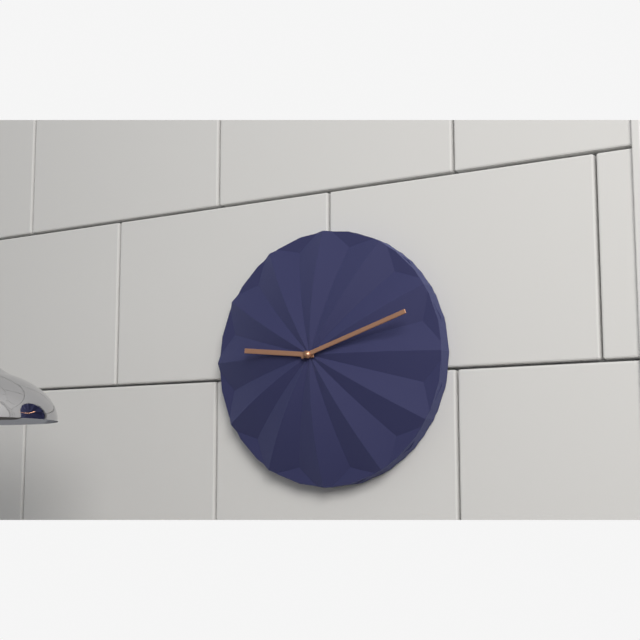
9:12
